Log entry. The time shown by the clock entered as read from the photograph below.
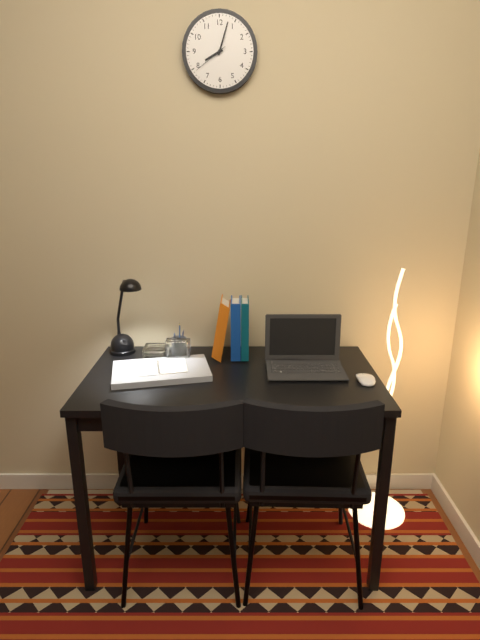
8:03
